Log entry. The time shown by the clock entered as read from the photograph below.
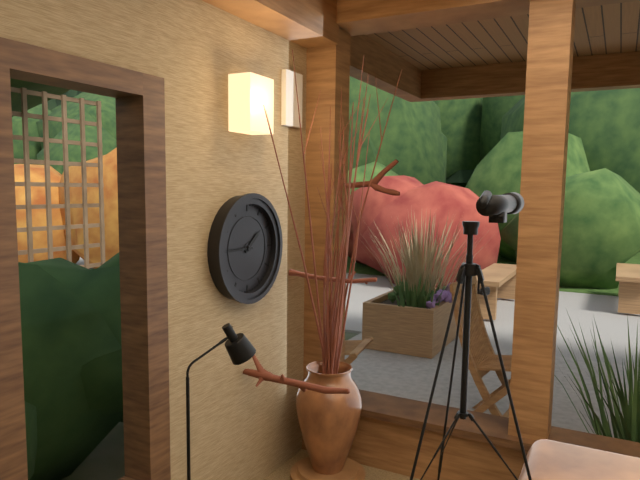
1:45
